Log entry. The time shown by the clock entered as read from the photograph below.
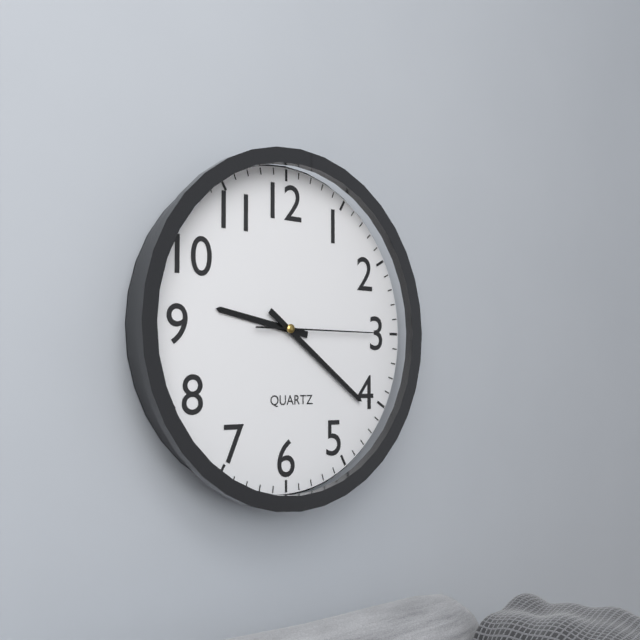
9:21:15
